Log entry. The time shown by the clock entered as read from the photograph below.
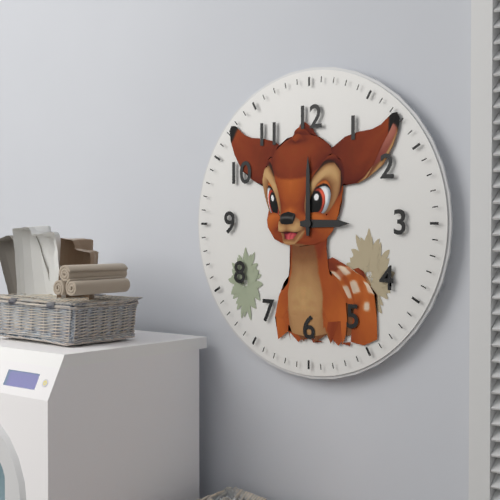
3:00
